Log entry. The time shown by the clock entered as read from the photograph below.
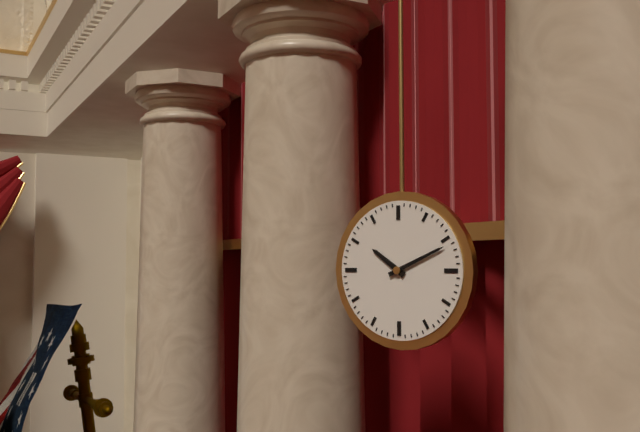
10:11
